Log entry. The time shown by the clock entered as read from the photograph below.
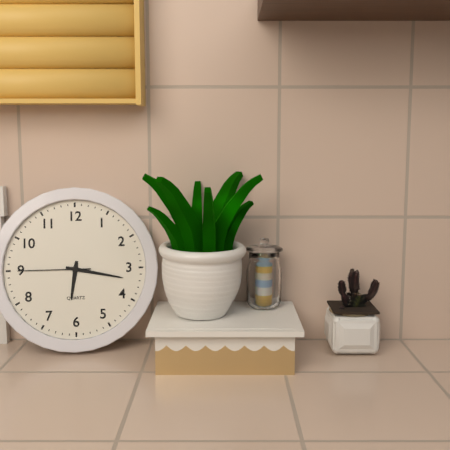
6:17:45
